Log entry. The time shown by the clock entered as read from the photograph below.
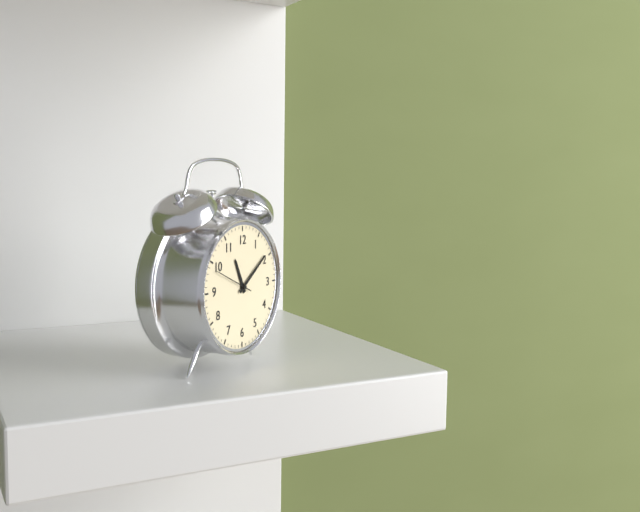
11:09
